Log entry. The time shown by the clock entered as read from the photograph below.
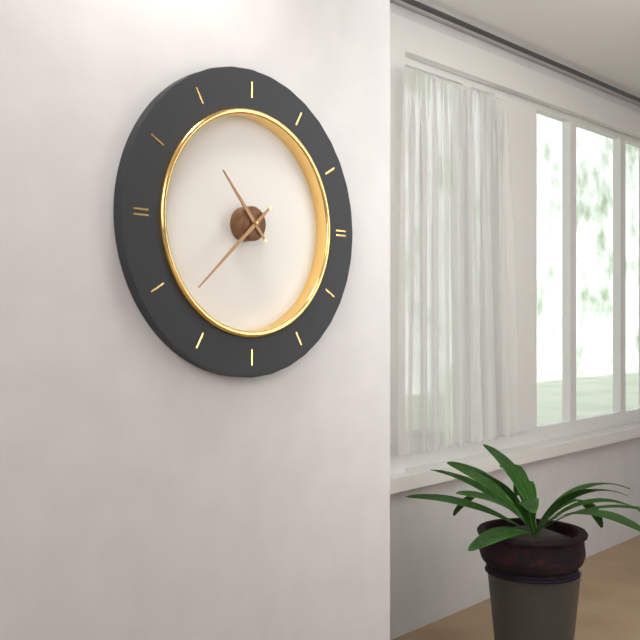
10:38
